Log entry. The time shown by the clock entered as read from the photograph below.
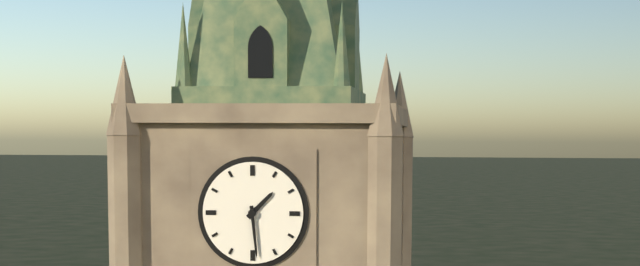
1:29
